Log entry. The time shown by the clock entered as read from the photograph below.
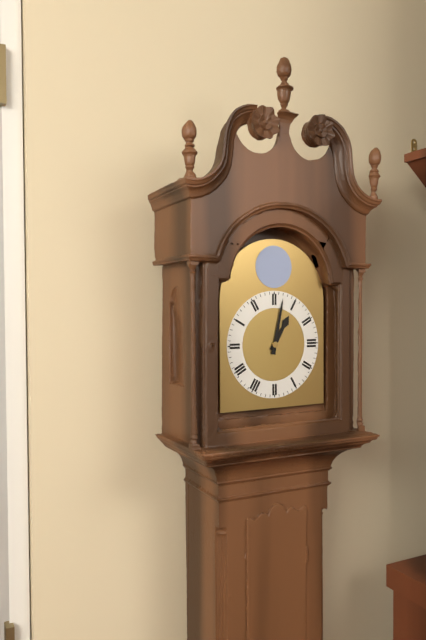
1:02
